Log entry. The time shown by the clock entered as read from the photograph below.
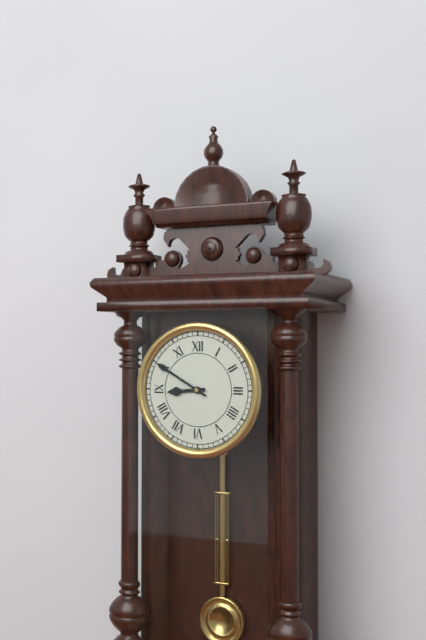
8:50
